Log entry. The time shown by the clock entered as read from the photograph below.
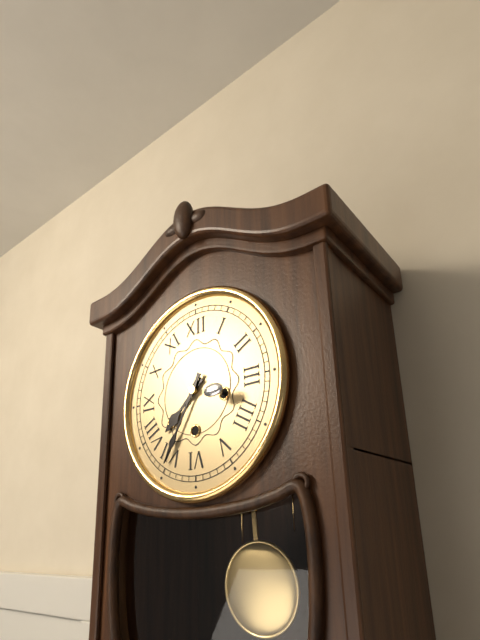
7:35
